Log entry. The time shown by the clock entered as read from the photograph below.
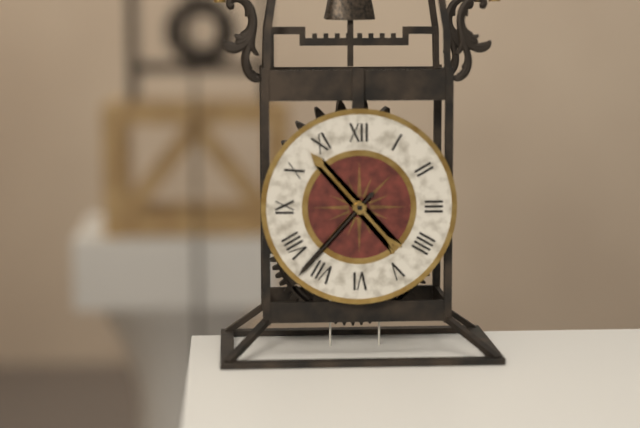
10:37
